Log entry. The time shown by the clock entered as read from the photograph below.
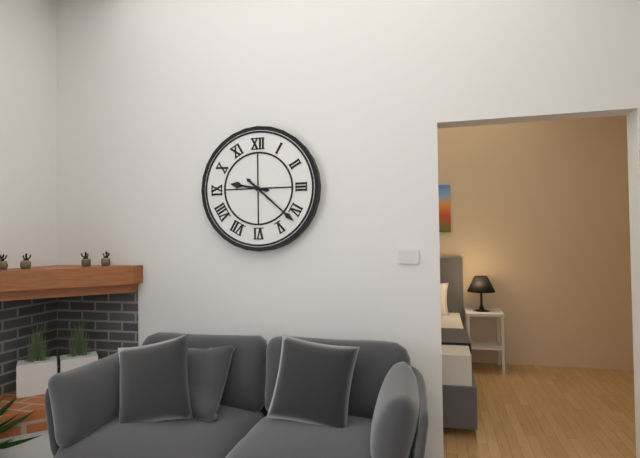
9:22
